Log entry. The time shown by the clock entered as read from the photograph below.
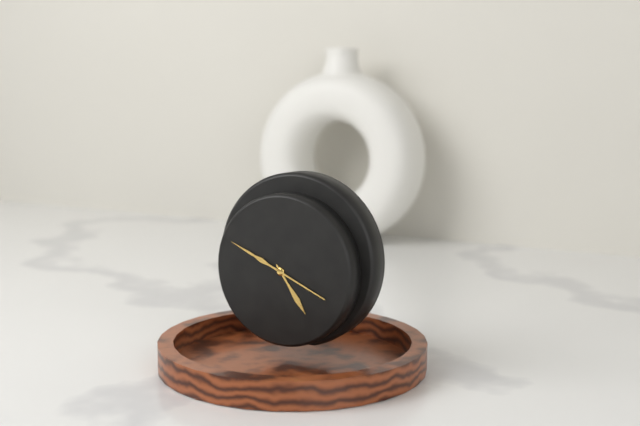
4:49
